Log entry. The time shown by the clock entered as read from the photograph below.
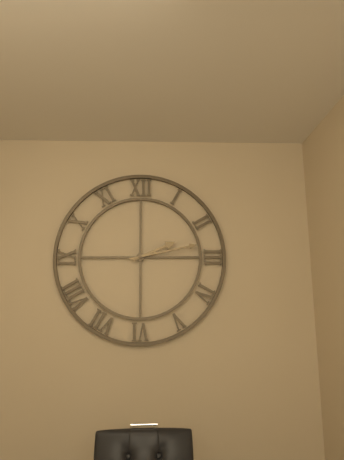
2:13
